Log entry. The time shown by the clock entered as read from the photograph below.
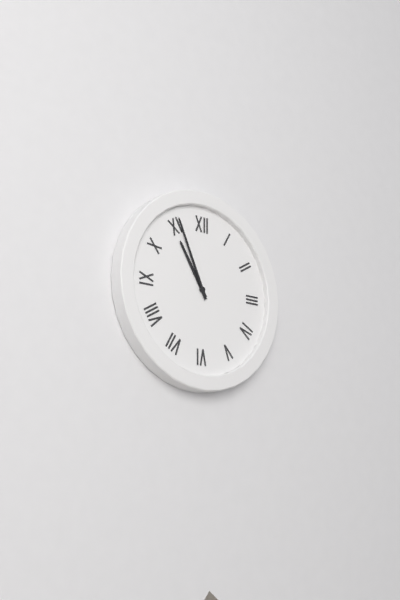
10:56
